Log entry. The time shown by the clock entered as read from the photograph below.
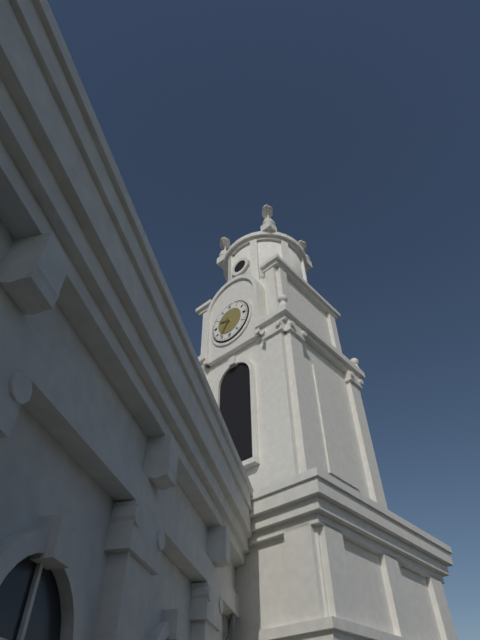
9:36
